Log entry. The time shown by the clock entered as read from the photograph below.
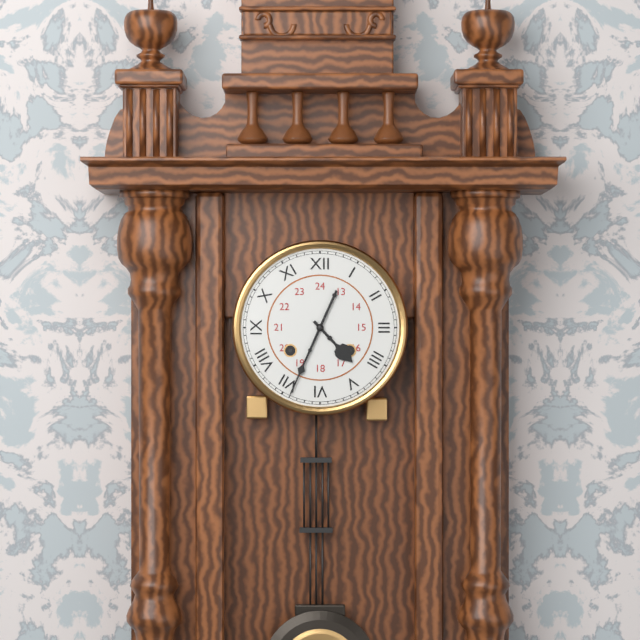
4:34
